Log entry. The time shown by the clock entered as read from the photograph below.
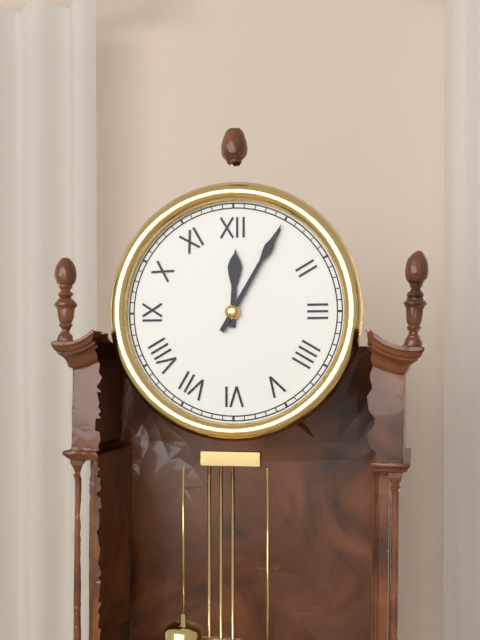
12:05
